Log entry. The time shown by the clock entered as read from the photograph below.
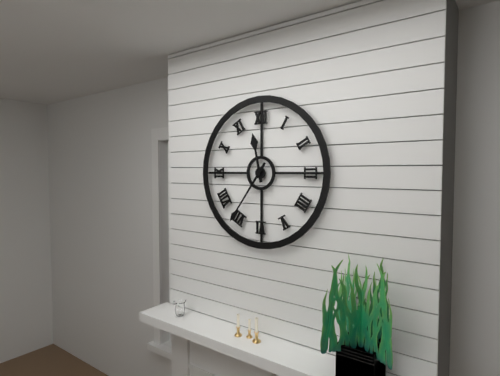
11:36
